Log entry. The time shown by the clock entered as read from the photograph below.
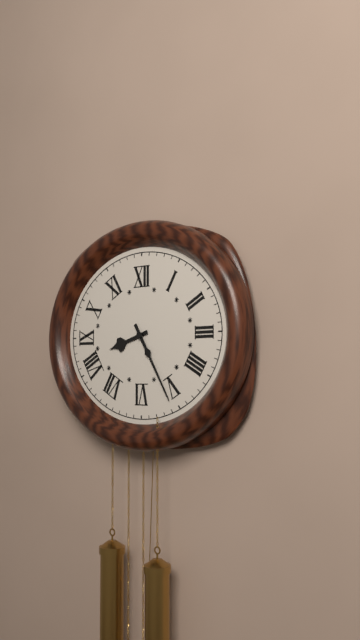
8:25
